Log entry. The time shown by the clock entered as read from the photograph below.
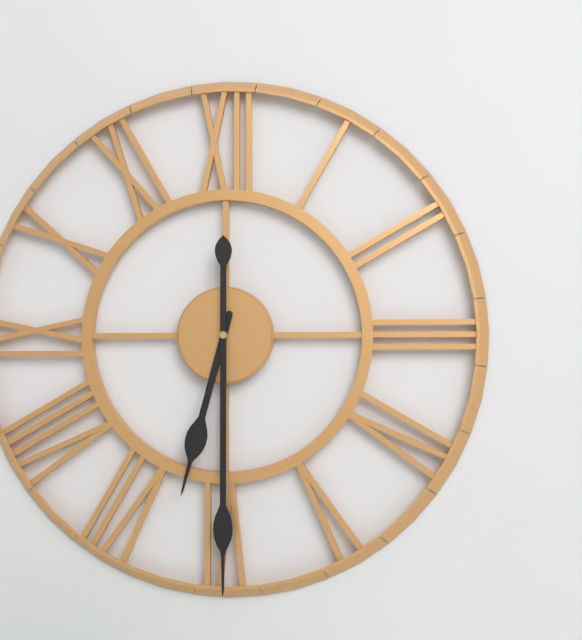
6:30
